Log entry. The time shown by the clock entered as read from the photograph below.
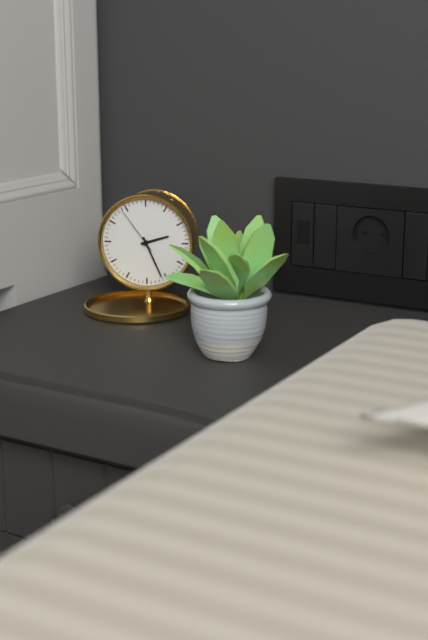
2:26:54
